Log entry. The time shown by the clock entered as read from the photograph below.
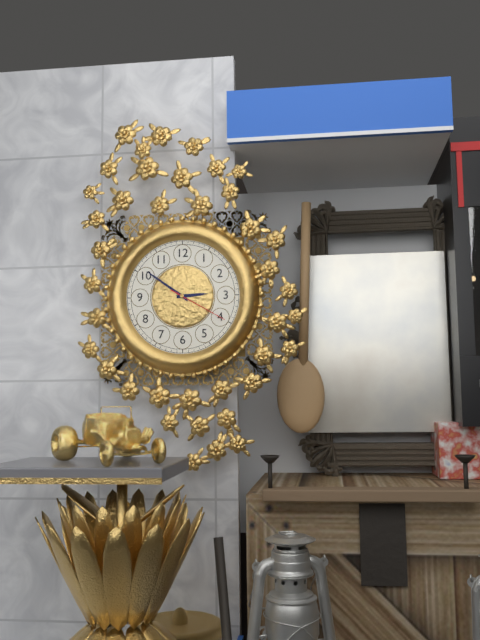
2:51:20
